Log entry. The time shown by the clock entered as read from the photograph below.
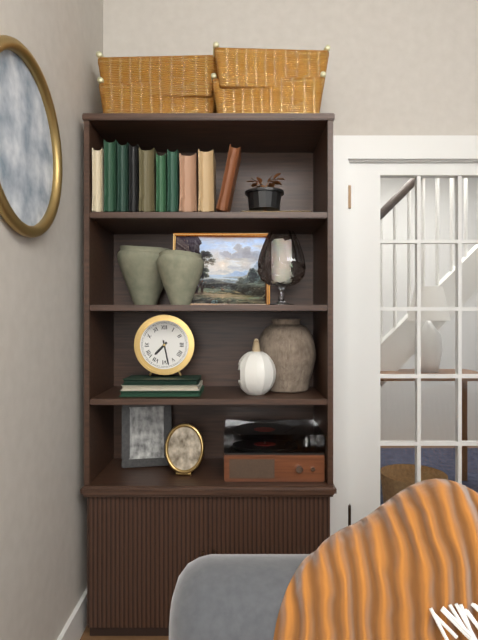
7:28
